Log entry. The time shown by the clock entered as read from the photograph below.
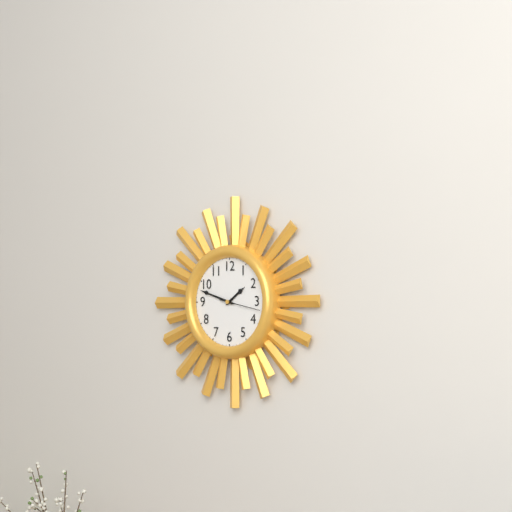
1:48
